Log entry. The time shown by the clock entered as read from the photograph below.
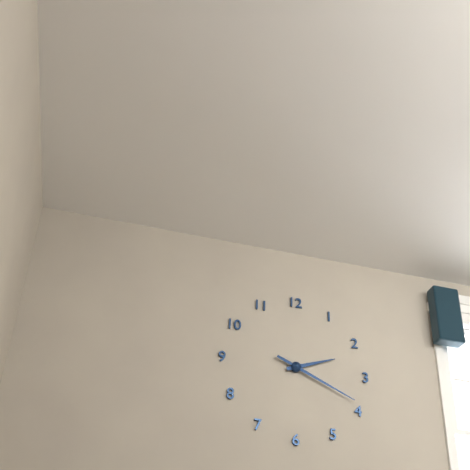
2:19
